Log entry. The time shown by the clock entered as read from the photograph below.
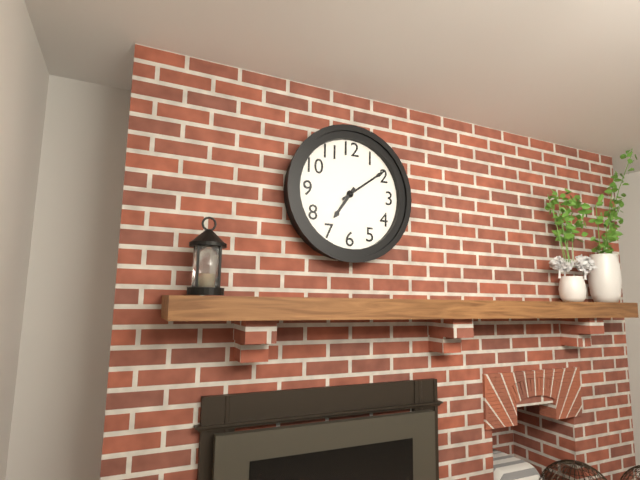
7:09
